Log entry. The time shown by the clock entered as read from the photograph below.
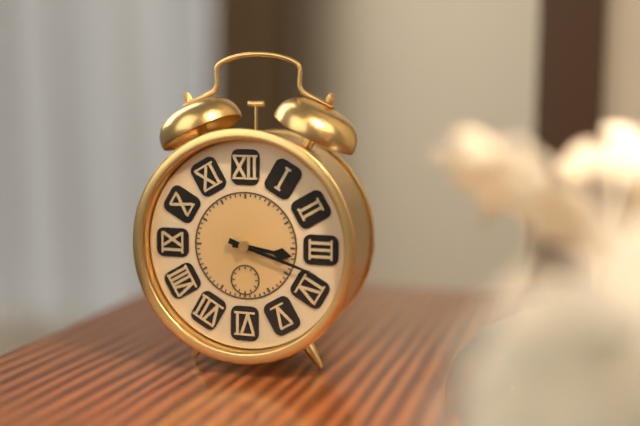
3:18
